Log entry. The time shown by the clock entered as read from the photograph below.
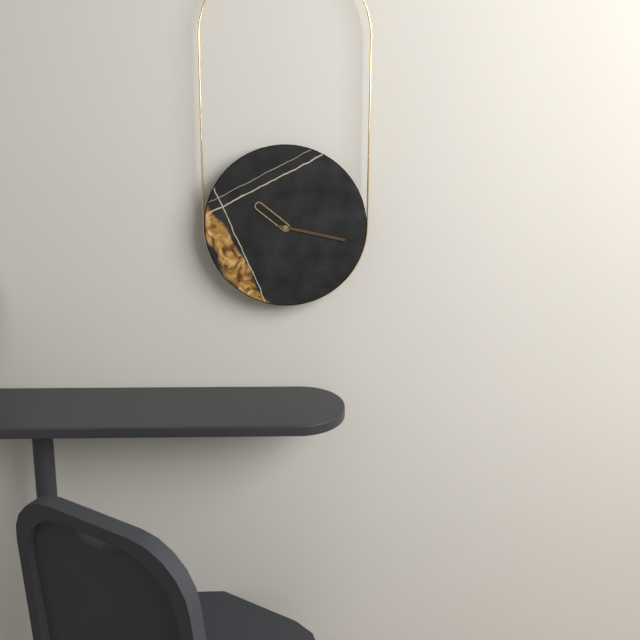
10:17
